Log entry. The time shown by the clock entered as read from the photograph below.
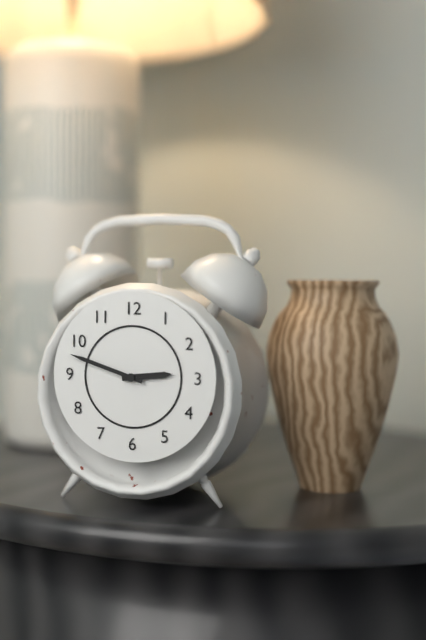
2:48
